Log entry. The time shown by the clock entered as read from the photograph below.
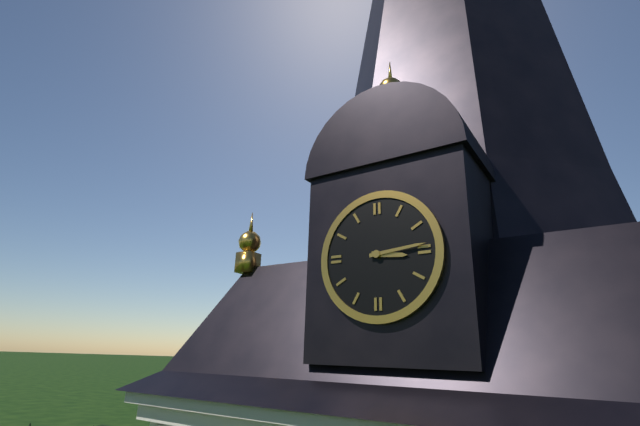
3:14
